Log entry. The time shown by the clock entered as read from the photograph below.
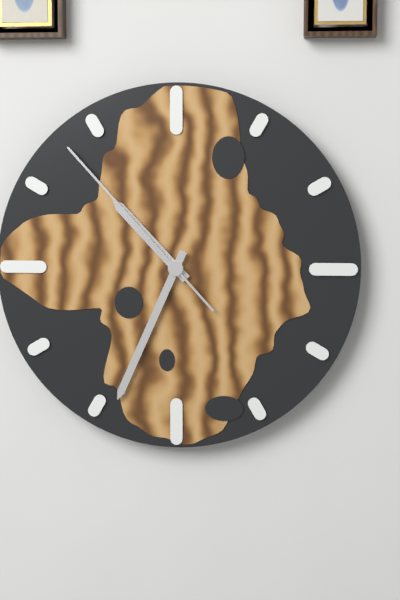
10:34:53
